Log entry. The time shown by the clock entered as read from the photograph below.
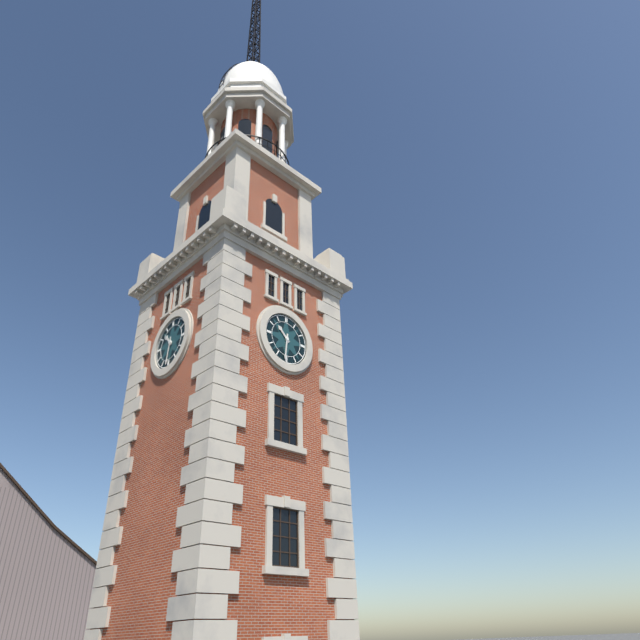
10:31
